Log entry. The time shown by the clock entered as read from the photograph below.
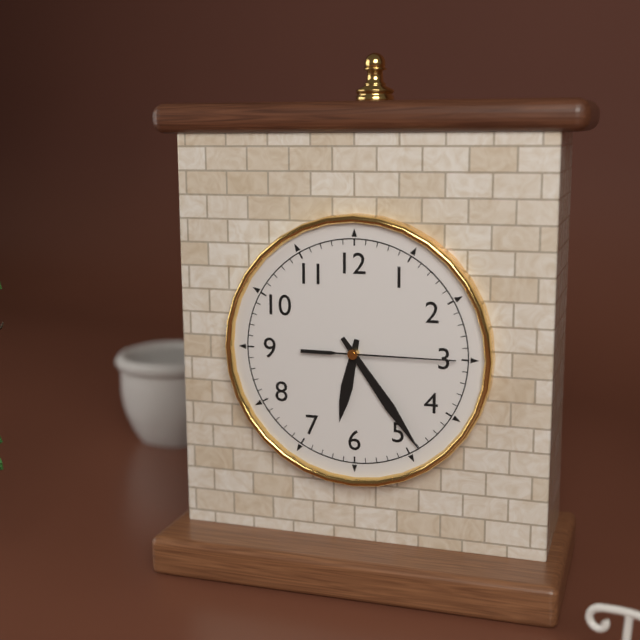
6:24:15
